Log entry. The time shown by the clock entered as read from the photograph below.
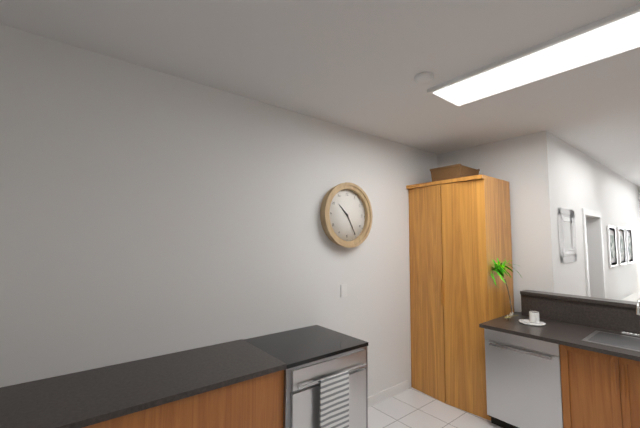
10:25
